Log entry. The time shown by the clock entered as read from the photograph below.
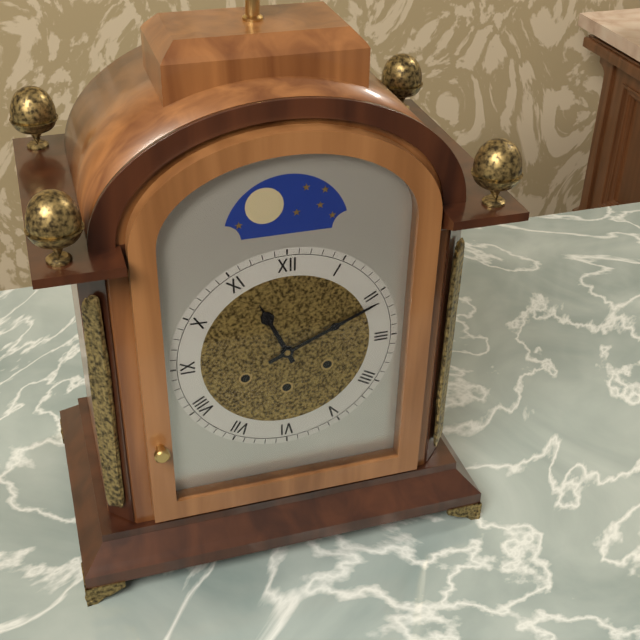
11:11
